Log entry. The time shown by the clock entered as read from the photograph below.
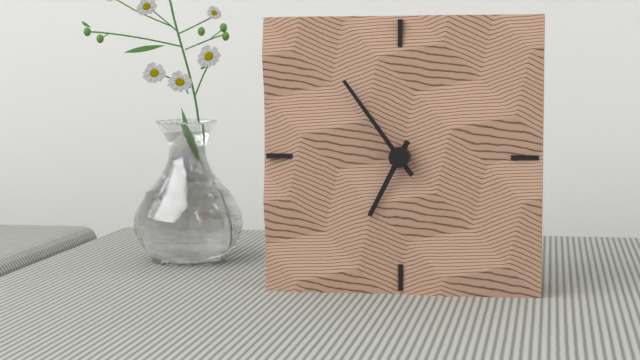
6:54
